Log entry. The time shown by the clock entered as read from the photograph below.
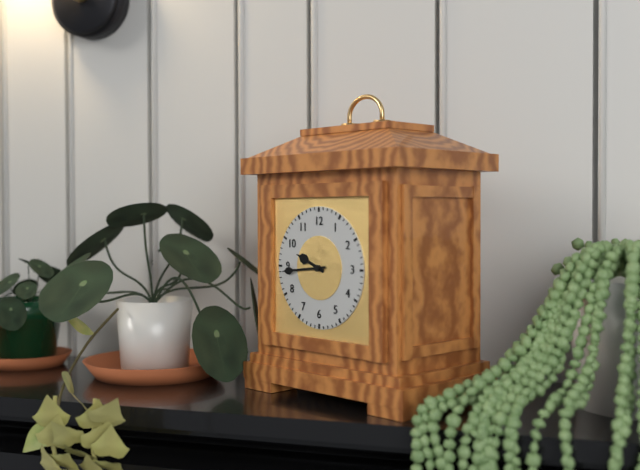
9:44
